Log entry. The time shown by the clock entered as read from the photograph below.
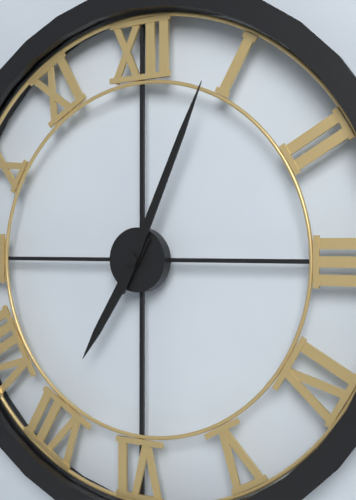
7:04
